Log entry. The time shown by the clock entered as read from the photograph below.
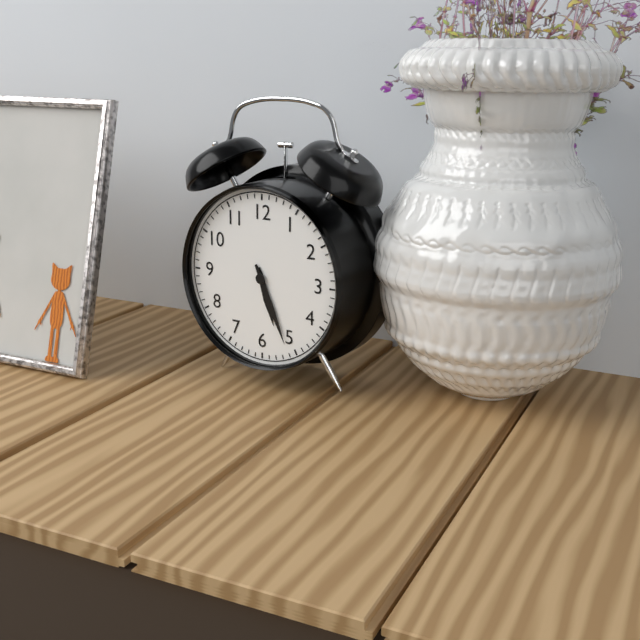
5:26
